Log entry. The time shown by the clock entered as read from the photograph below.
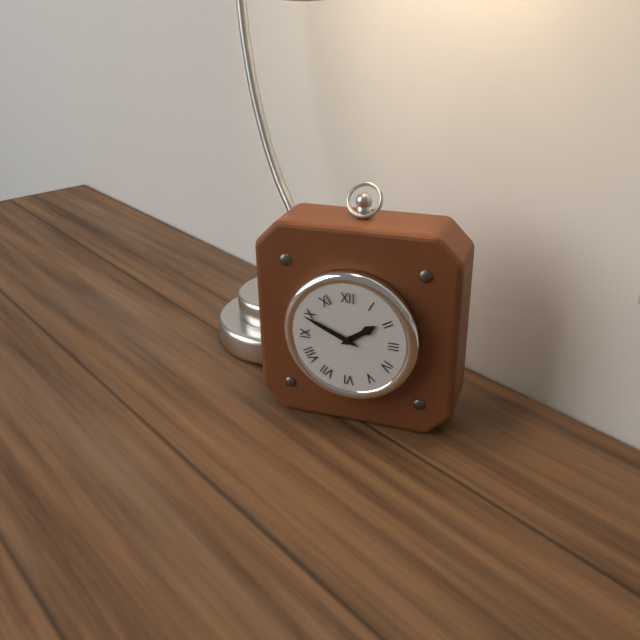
1:49
